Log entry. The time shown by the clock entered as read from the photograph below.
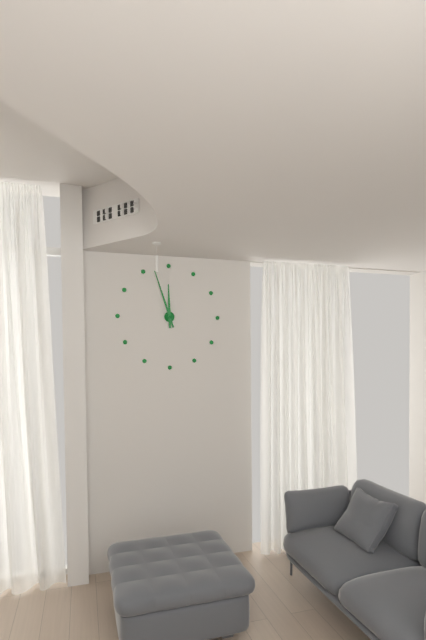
11:57
